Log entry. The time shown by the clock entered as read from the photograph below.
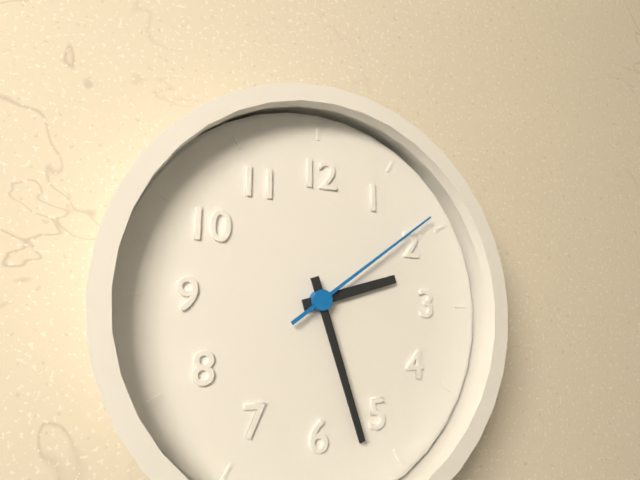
2:27:09
